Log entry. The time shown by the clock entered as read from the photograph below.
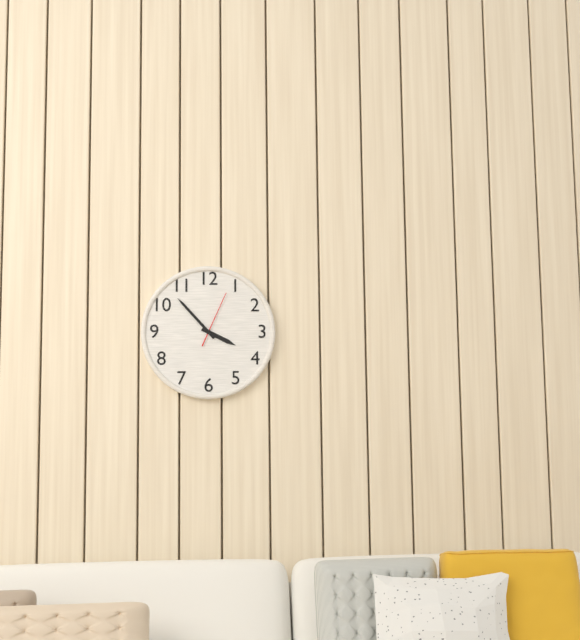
3:53:04
